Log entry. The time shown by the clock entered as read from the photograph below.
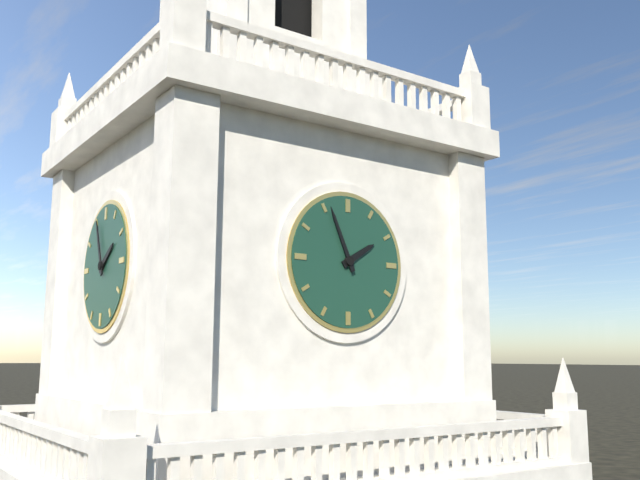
1:56
